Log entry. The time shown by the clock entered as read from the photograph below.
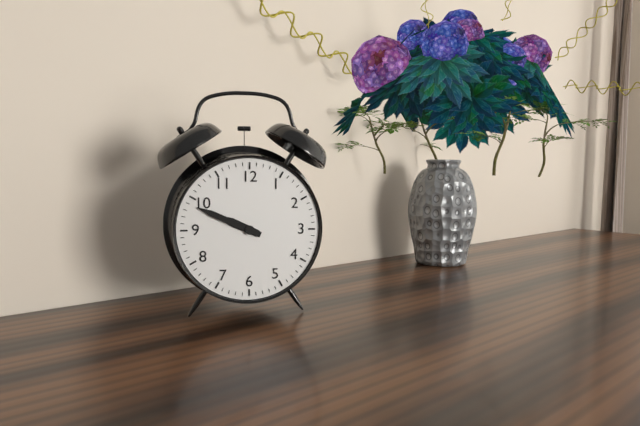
9:49
